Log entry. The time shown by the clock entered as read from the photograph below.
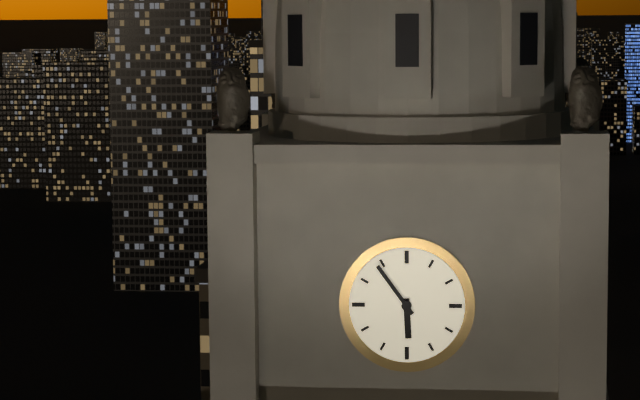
5:54
